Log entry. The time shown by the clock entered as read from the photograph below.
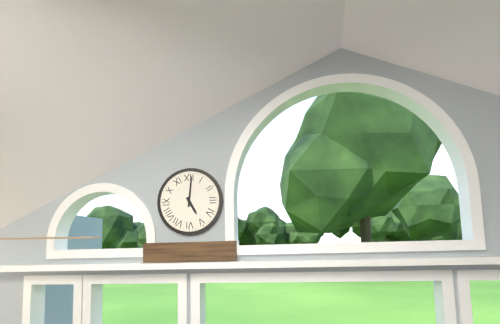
5:01
